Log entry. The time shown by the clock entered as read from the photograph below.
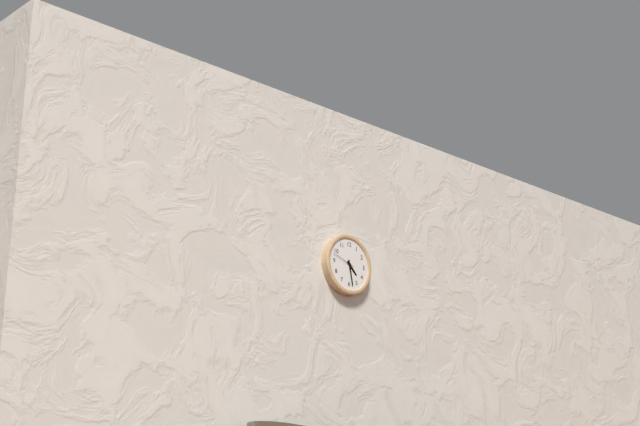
4:28
